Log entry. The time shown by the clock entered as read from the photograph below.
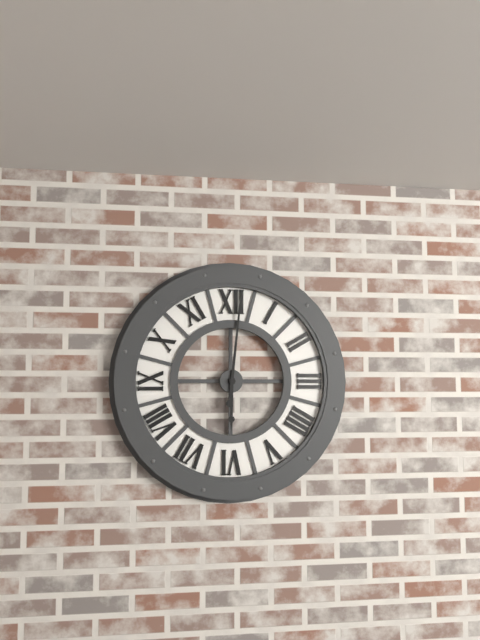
6:01
